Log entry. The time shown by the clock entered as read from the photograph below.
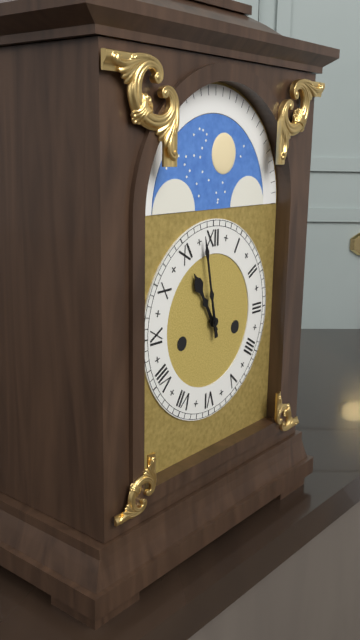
10:58
